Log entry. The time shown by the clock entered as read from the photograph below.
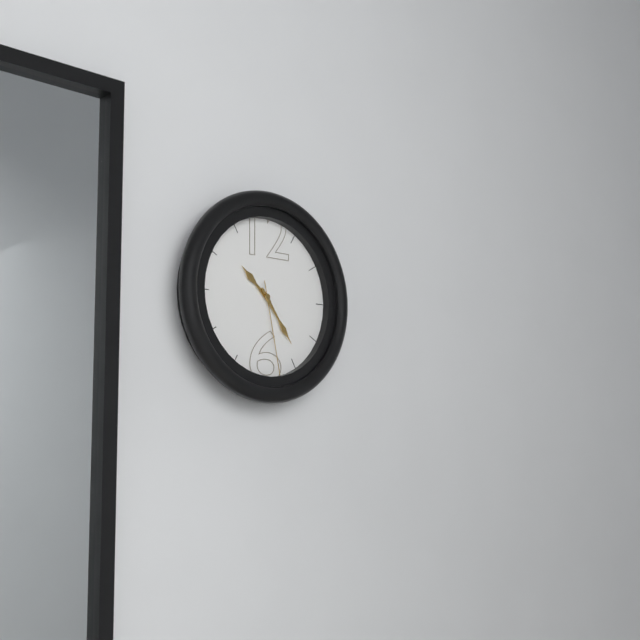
10:24:28
